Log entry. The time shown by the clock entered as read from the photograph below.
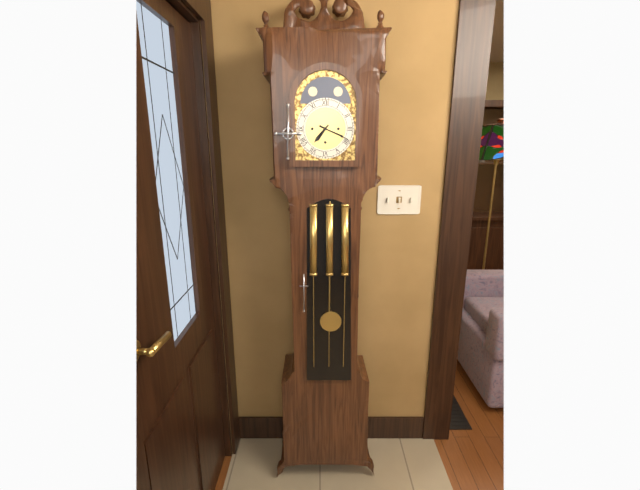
7:19
